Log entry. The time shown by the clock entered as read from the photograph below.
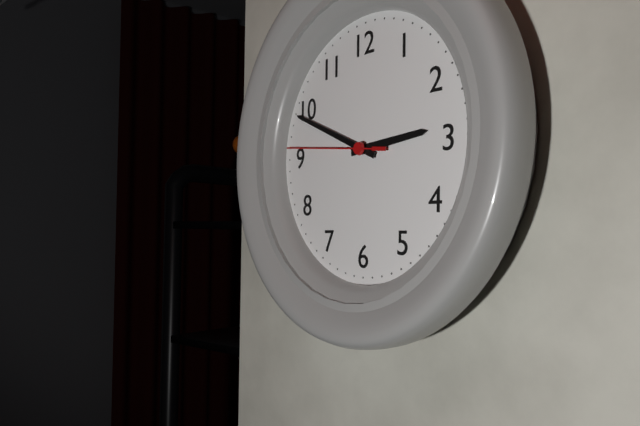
2:49:46
